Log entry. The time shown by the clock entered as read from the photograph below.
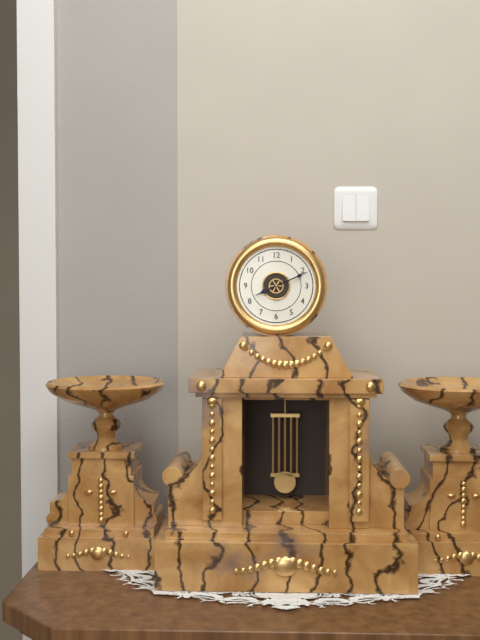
8:11
